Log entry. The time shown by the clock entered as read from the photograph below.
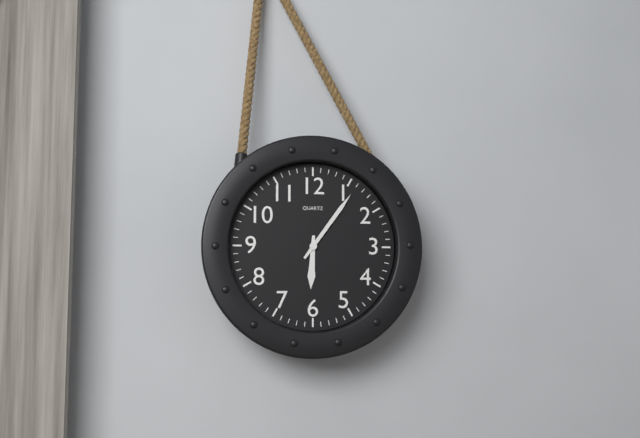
6:06
